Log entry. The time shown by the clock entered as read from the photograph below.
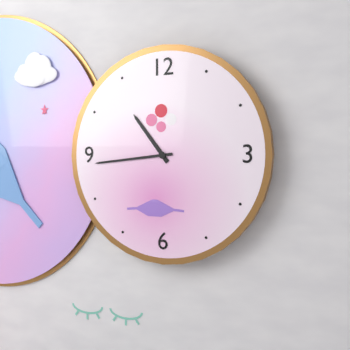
10:44
